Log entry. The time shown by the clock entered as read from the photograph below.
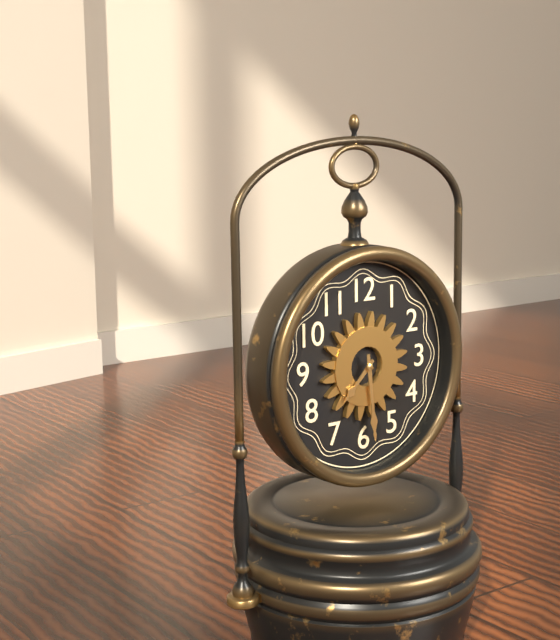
7:29
